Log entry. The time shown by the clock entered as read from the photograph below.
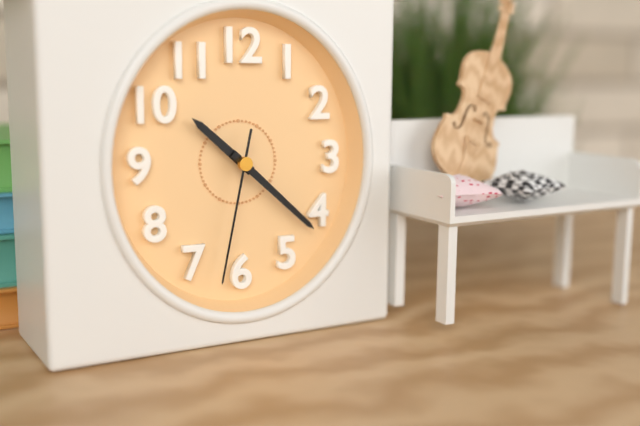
10:22:32
